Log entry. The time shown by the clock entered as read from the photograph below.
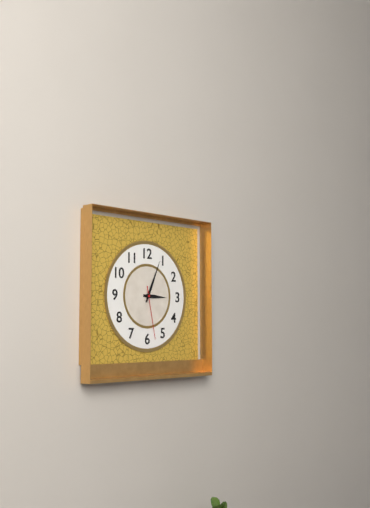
3:04:28
